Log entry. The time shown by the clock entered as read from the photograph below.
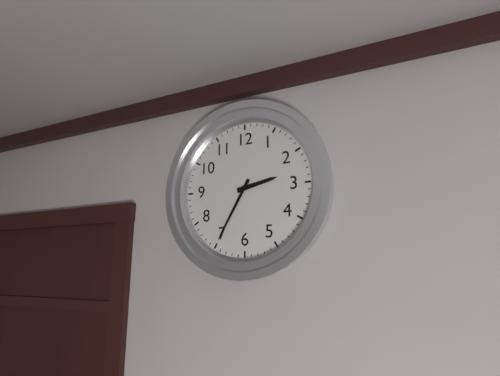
2:35
